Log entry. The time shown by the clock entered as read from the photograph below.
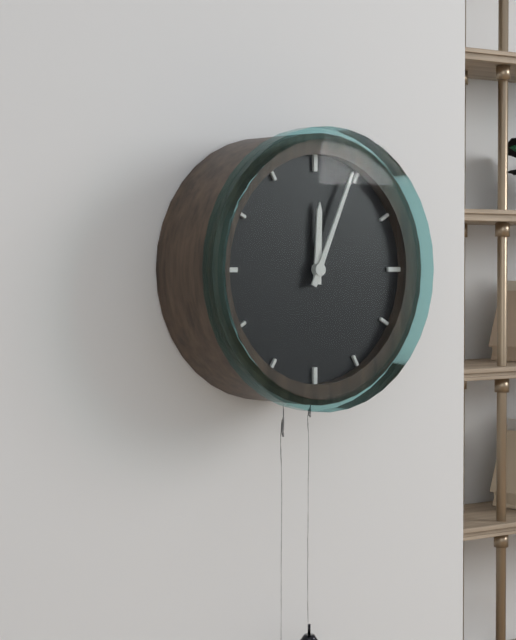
12:04
